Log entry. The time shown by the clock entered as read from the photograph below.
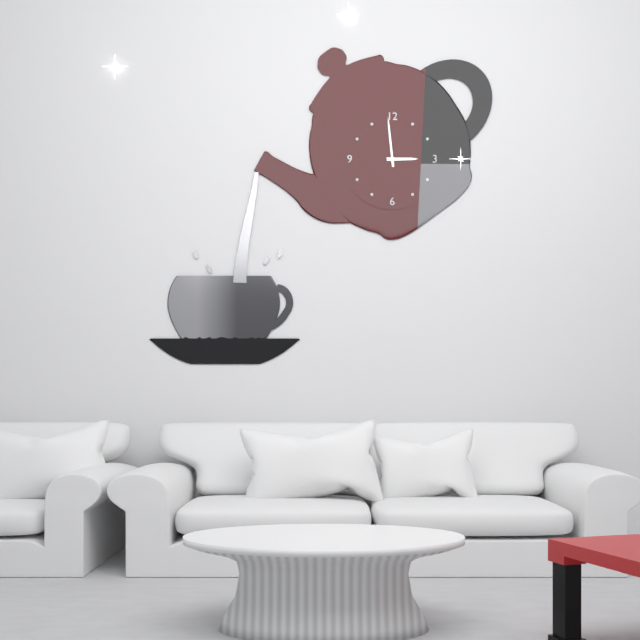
2:59
